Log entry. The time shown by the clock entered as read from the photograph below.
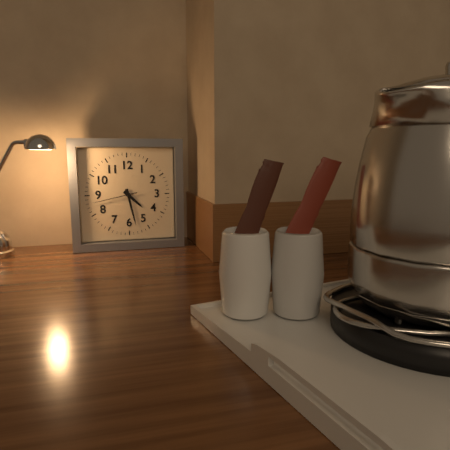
4:28
